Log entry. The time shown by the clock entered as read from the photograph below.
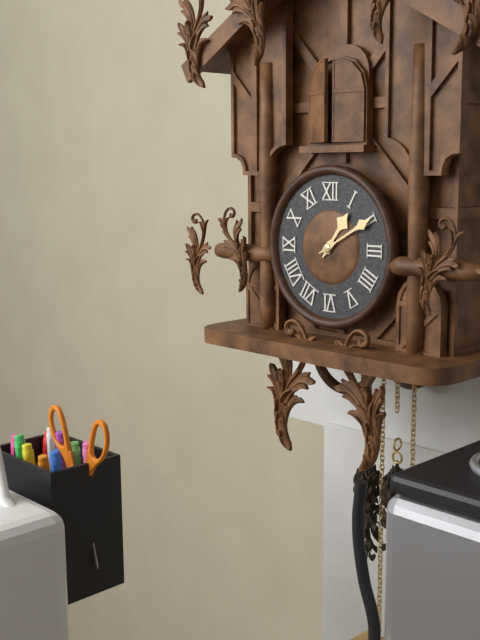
1:10
